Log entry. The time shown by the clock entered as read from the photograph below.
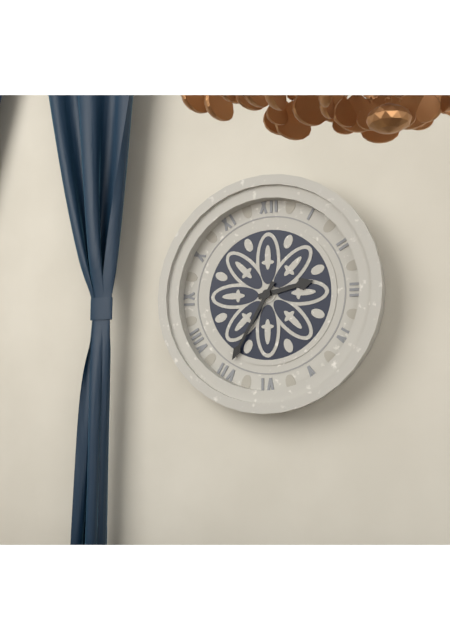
2:35
